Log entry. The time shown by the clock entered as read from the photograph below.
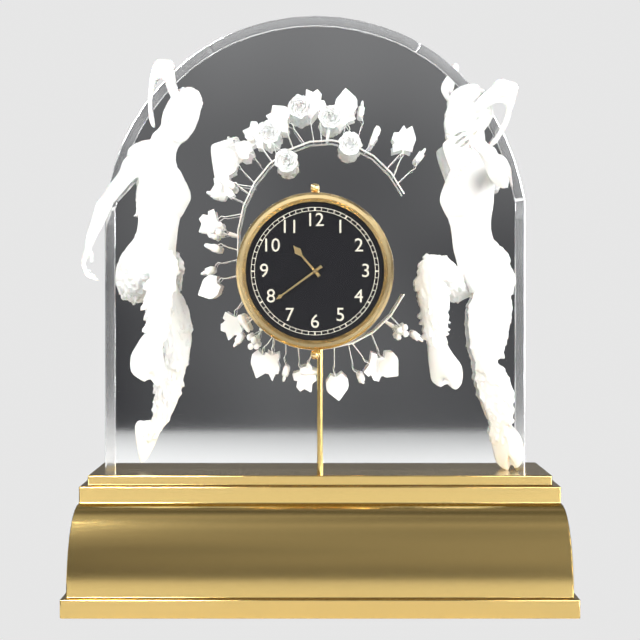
10:39
